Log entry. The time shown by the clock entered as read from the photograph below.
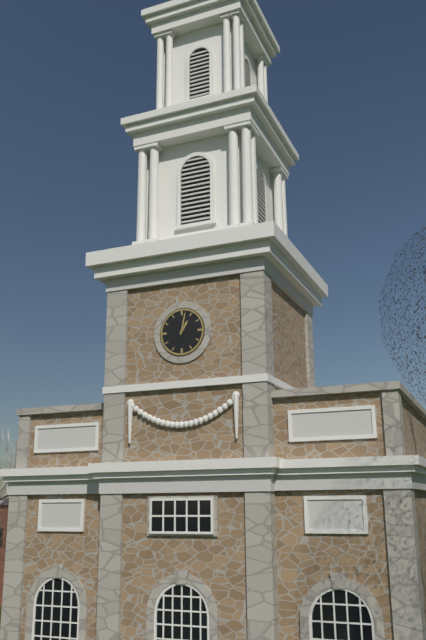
1:02
